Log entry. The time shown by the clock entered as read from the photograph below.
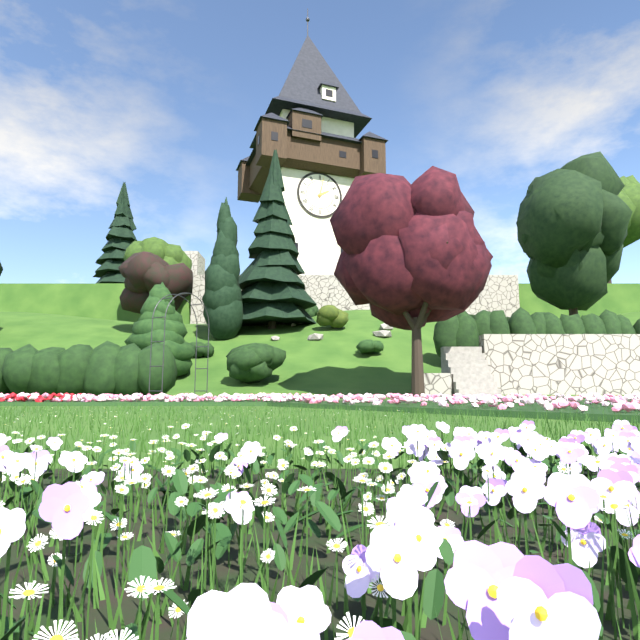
2:02
